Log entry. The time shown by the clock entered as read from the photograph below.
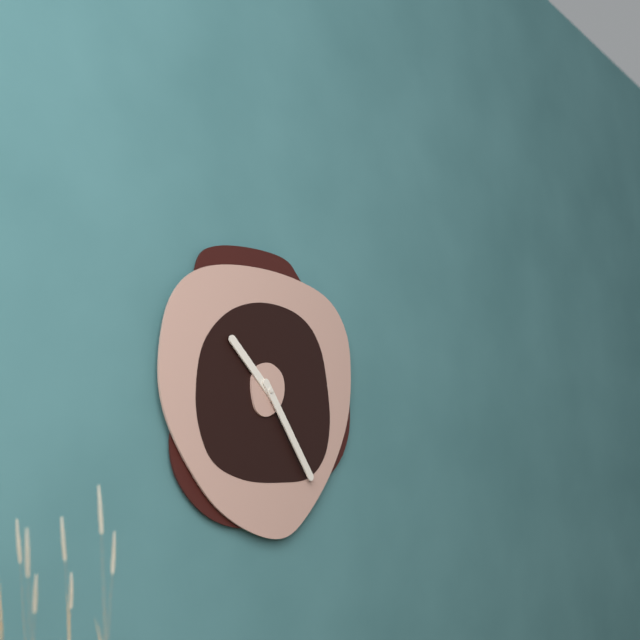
10:24
